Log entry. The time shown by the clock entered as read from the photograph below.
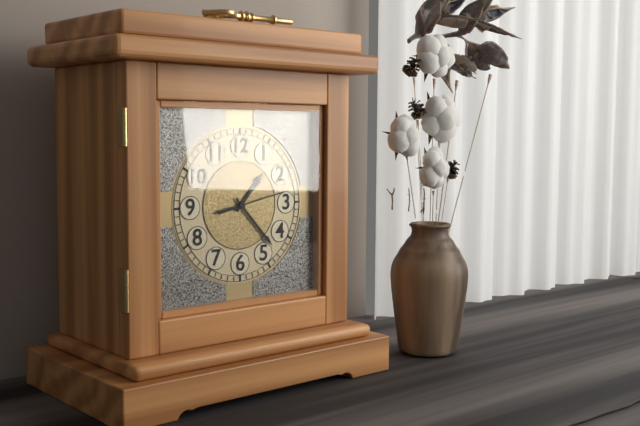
1:23:13
